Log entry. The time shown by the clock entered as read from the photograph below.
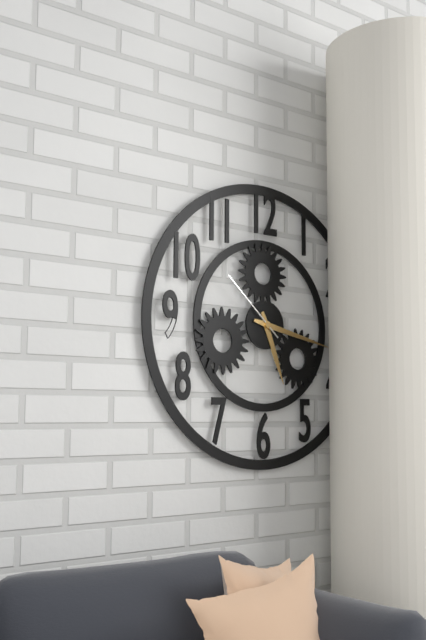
5:17:52
